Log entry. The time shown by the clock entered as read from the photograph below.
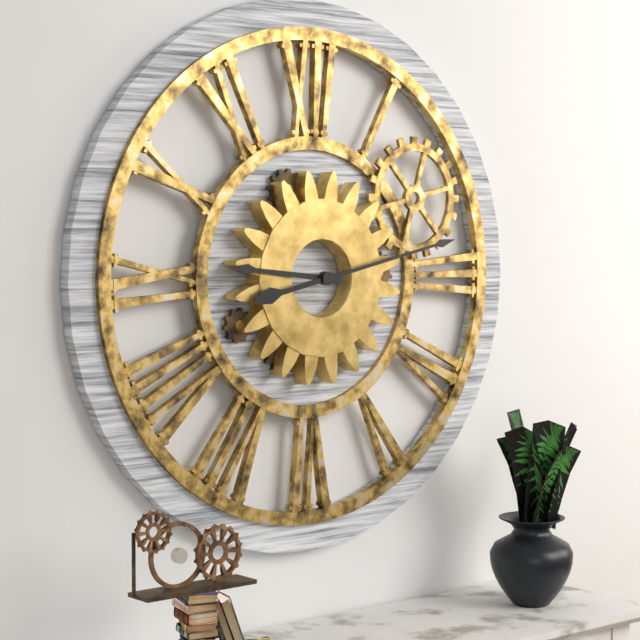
9:13
